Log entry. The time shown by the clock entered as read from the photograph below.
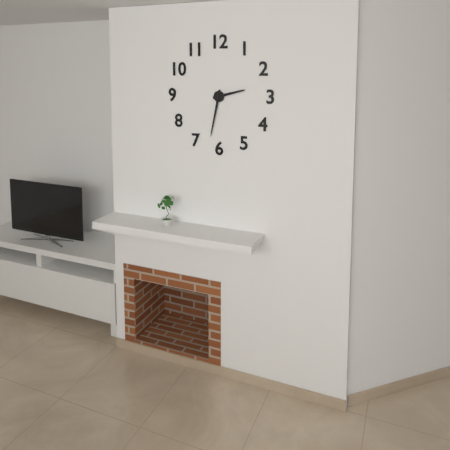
2:32
